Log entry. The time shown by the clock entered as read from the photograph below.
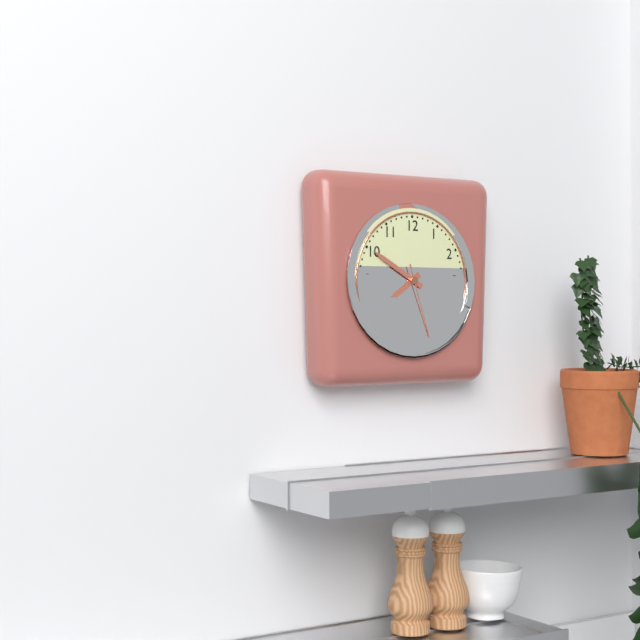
7:50:27
